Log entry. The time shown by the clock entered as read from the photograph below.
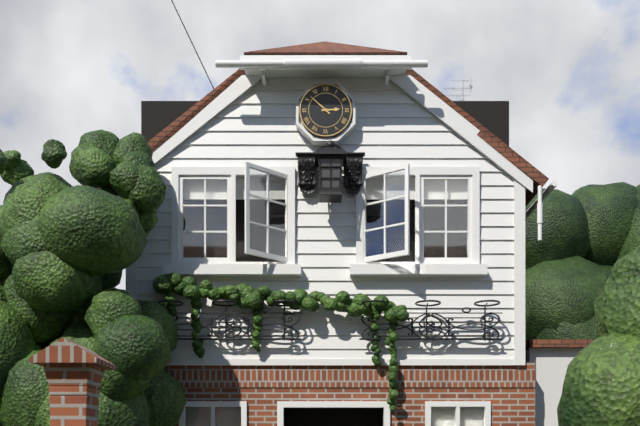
2:52
